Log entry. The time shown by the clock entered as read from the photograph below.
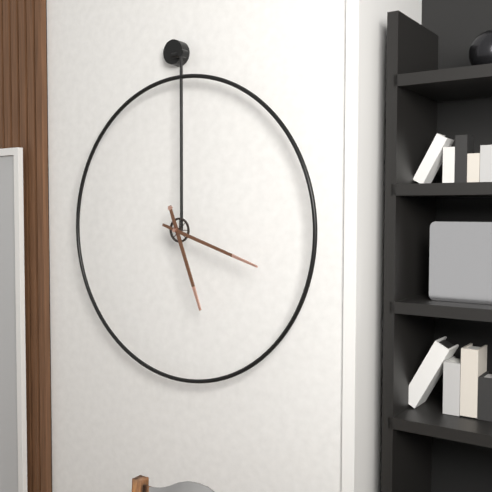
5:18
